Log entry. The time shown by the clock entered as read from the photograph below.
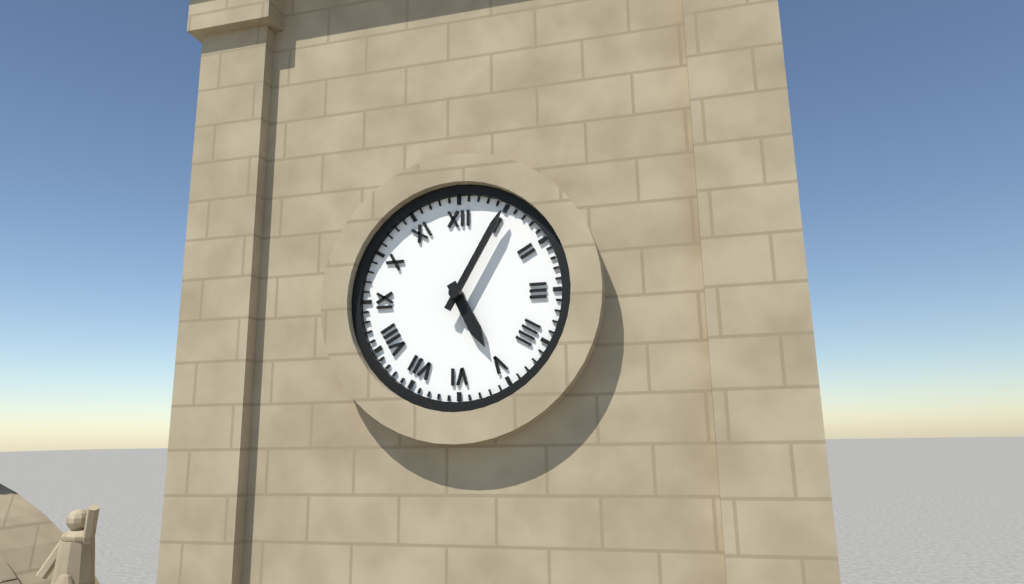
5:05
